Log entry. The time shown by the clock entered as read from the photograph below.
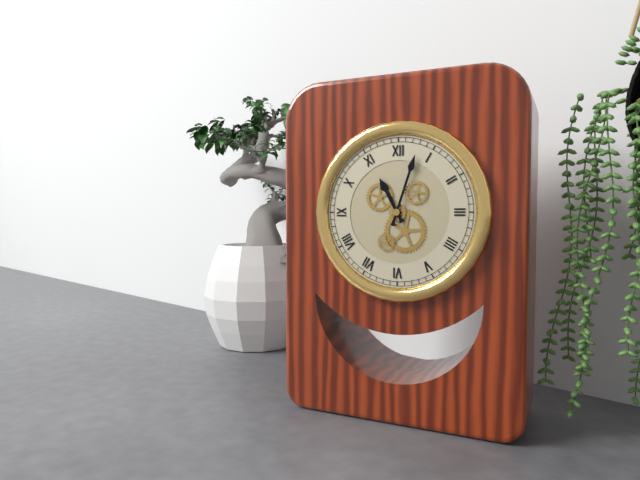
11:03
